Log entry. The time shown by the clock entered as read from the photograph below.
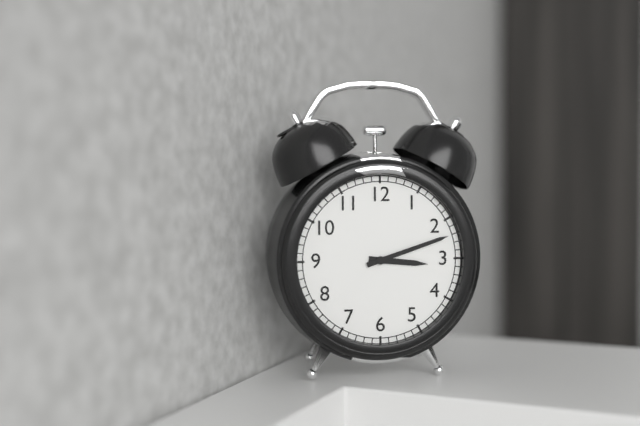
3:12
